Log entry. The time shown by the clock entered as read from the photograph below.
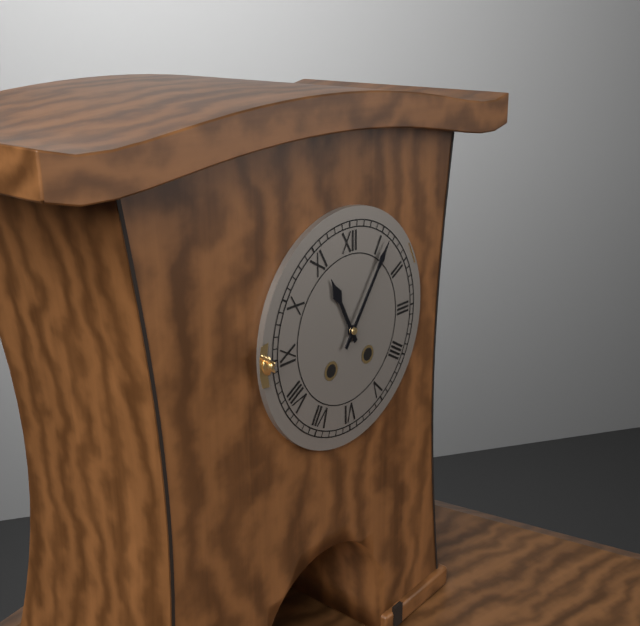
11:06
